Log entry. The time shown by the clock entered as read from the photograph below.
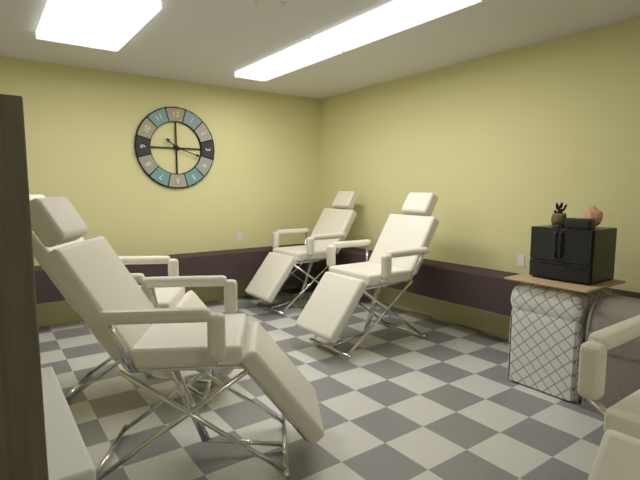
10:18
